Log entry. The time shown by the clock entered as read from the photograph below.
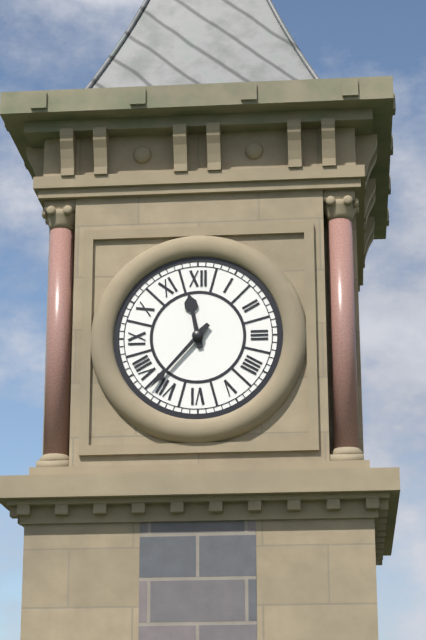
11:37
